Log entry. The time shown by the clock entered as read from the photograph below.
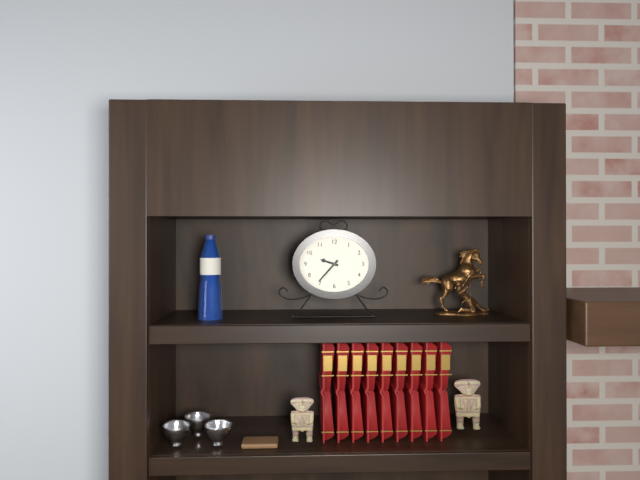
9:37
